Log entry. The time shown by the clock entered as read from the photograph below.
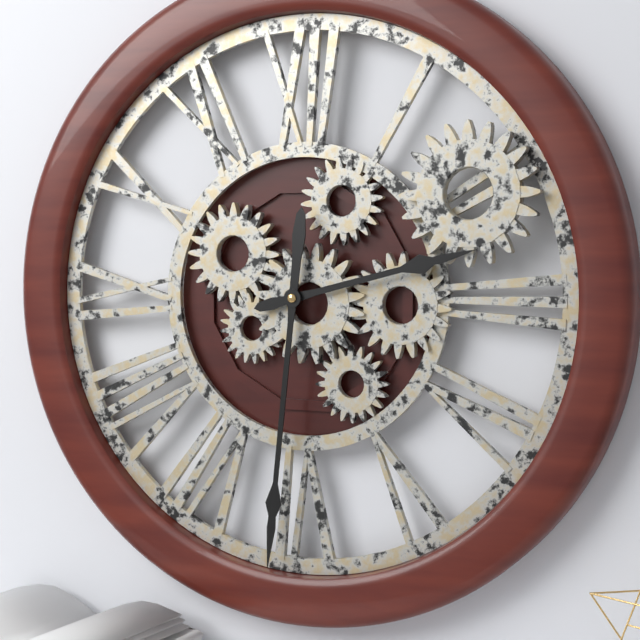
2:31
